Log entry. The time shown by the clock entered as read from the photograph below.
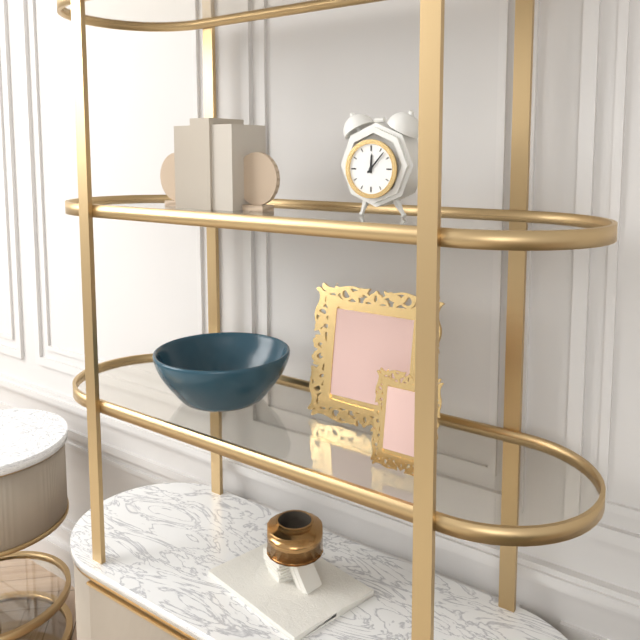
12:07
